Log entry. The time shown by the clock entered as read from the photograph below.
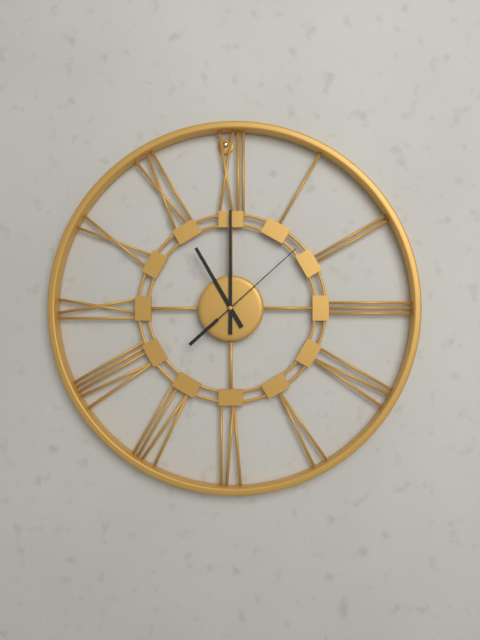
11:00:08
